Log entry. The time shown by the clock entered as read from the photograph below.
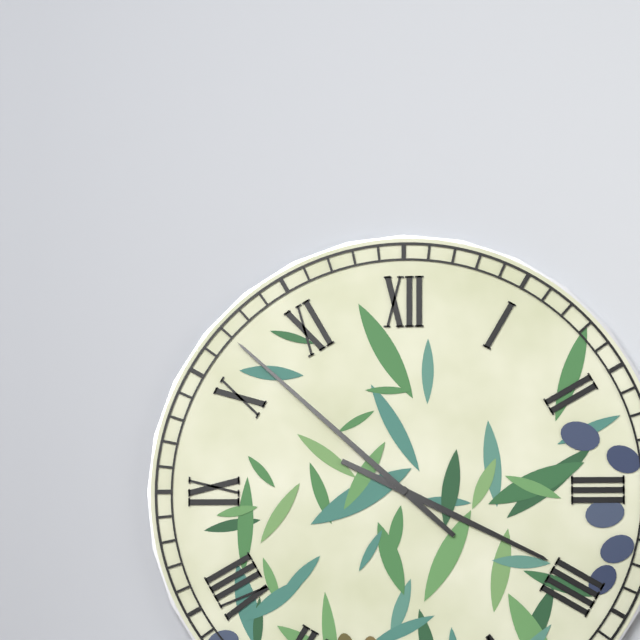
3:52
